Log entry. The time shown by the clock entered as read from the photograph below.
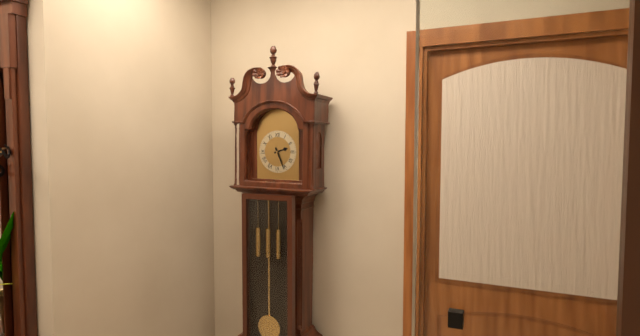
2:26
